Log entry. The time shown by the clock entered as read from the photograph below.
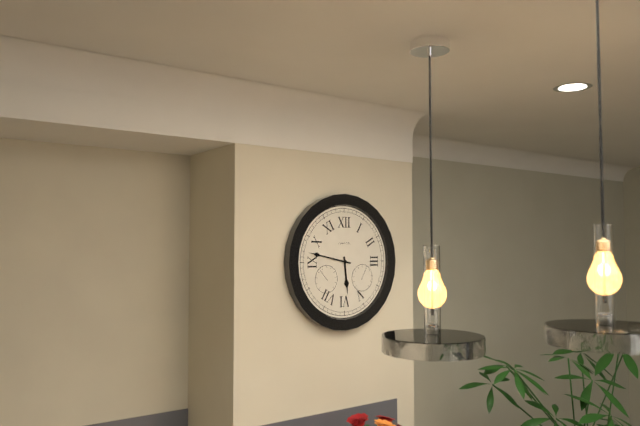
5:47
